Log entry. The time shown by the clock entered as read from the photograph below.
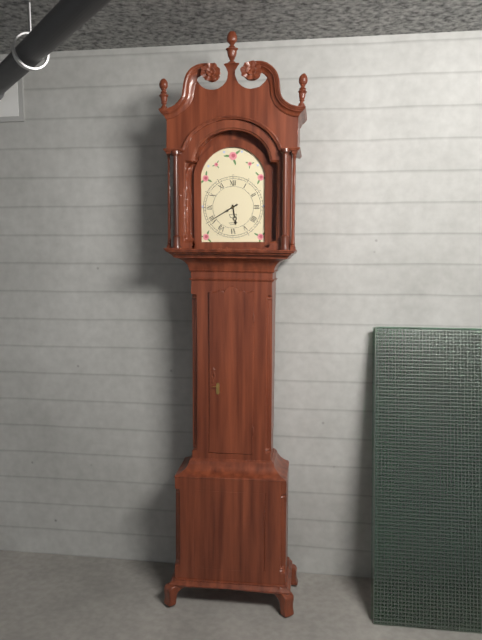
5:40
